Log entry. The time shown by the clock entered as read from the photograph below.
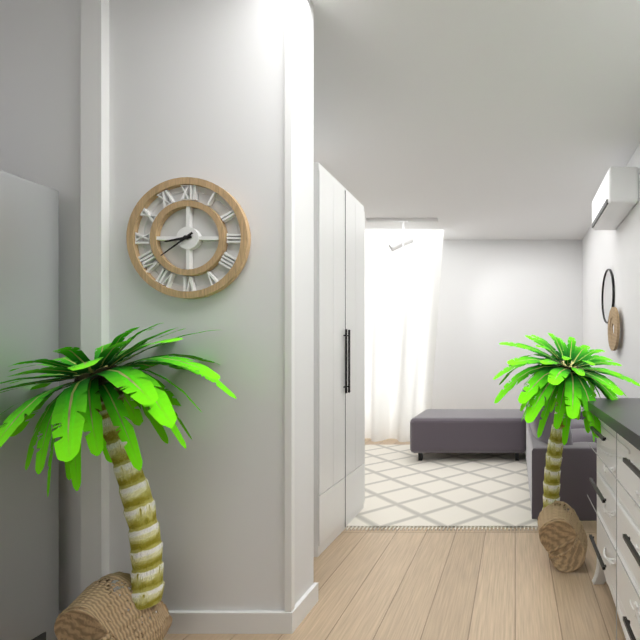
8:39
